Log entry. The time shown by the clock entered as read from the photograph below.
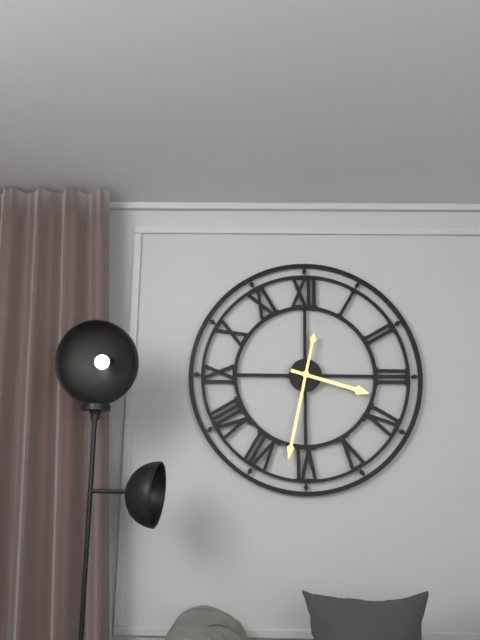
3:32
